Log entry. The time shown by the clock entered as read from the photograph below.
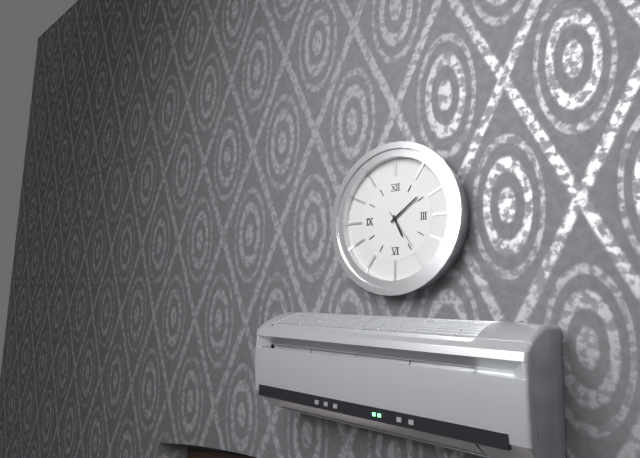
5:09
